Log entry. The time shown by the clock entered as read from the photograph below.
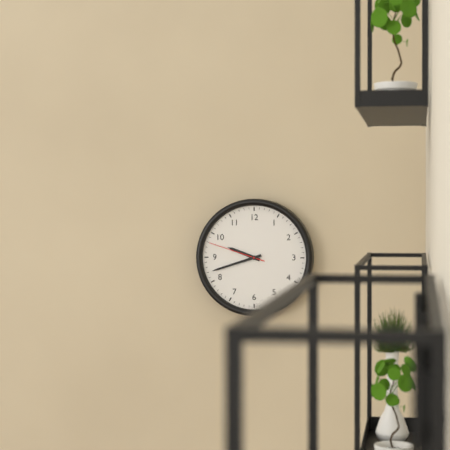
9:42:48
